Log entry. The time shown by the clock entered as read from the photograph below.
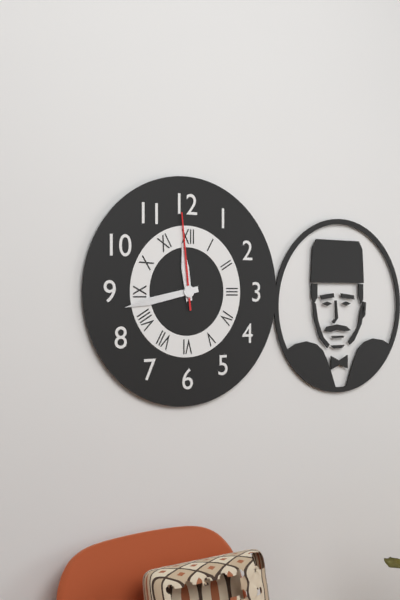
11:43:59
